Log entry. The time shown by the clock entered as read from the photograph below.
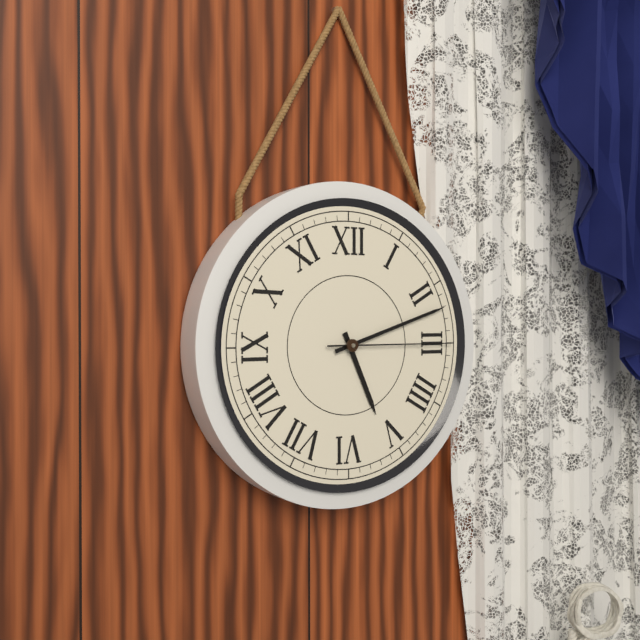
5:12:15
